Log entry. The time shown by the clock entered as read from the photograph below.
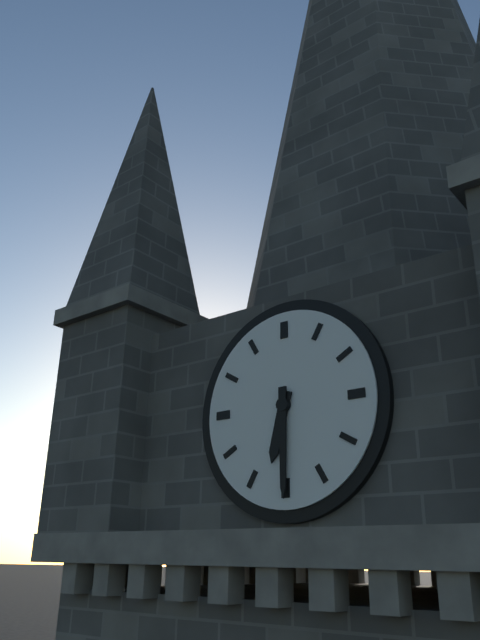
6:30
